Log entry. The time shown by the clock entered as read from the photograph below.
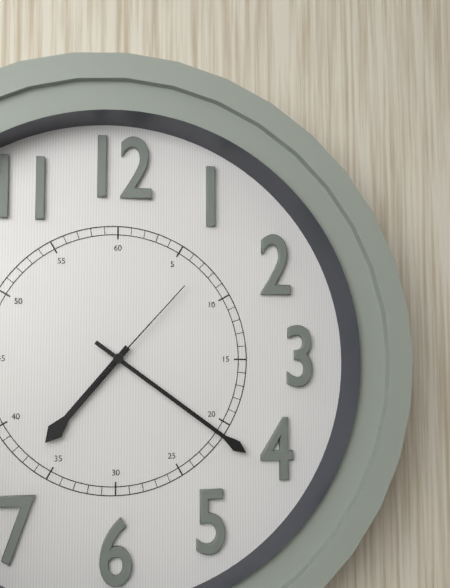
7:21:07
